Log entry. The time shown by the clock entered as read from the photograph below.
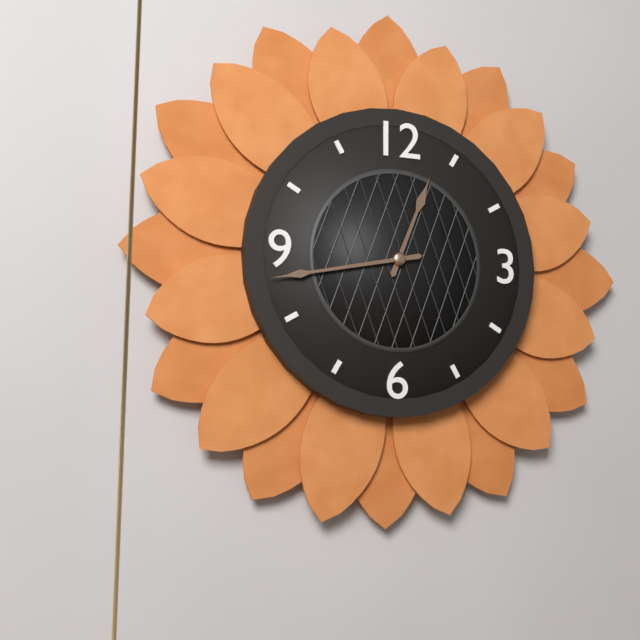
12:43
